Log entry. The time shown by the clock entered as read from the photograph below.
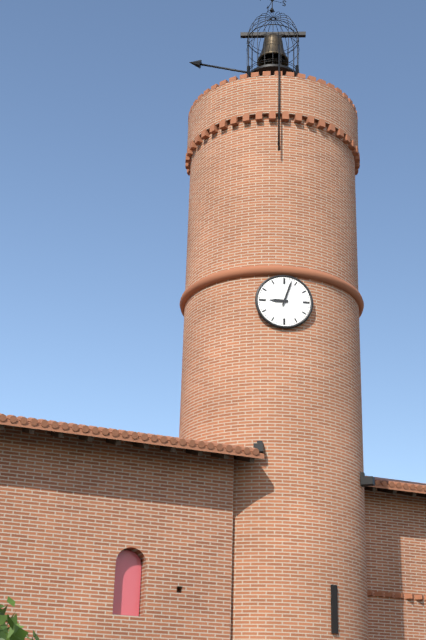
9:03
